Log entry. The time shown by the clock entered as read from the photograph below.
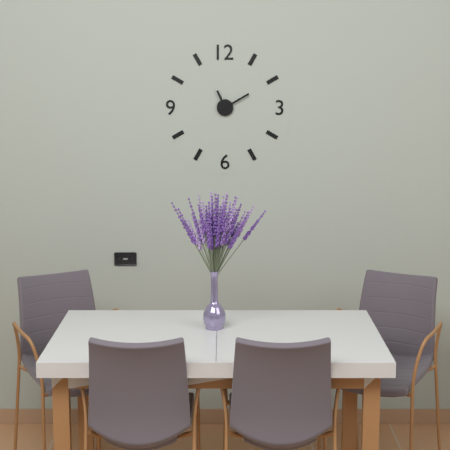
11:10
